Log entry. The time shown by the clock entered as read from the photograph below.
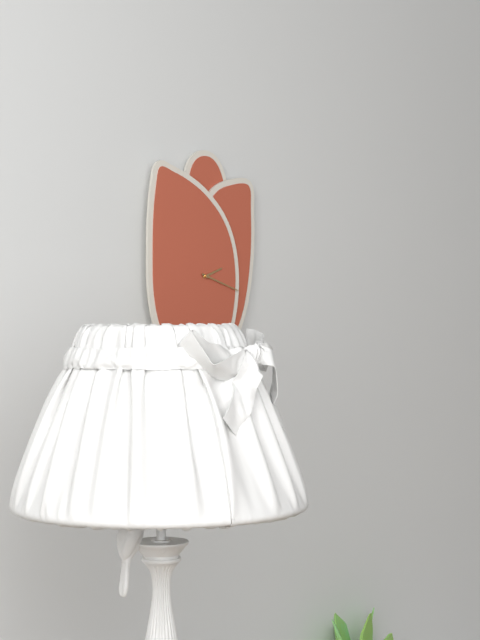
2:18
